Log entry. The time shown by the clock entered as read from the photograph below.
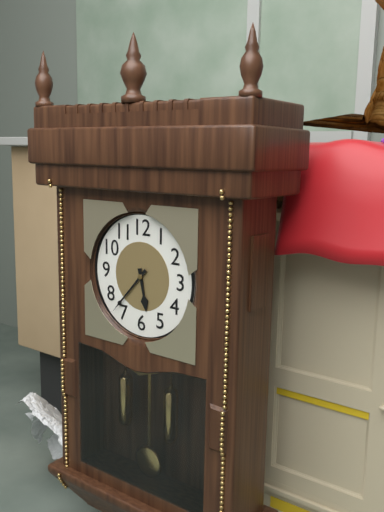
5:37
